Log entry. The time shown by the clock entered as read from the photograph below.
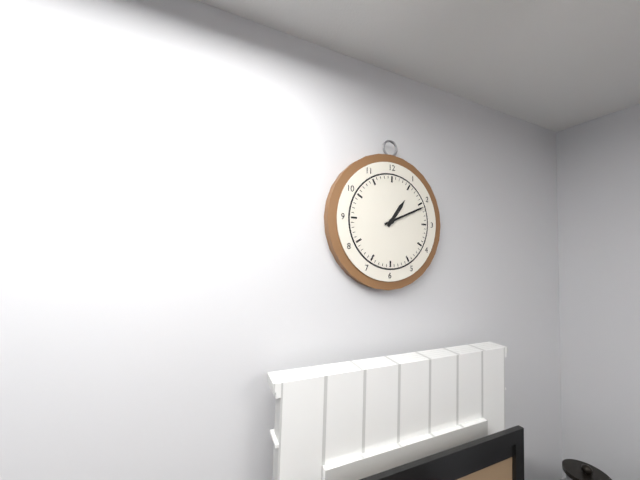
1:11
